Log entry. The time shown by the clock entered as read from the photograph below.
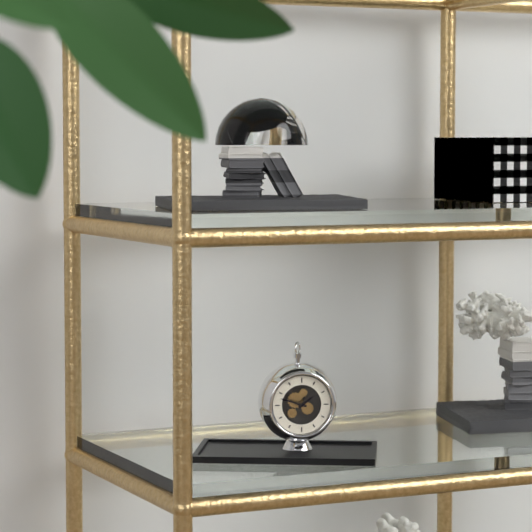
1:48
